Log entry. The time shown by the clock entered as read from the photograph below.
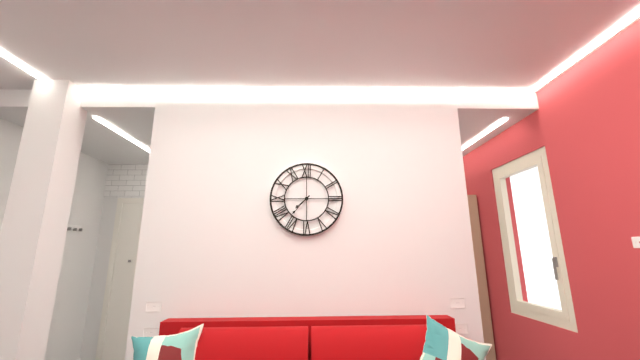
7:37
